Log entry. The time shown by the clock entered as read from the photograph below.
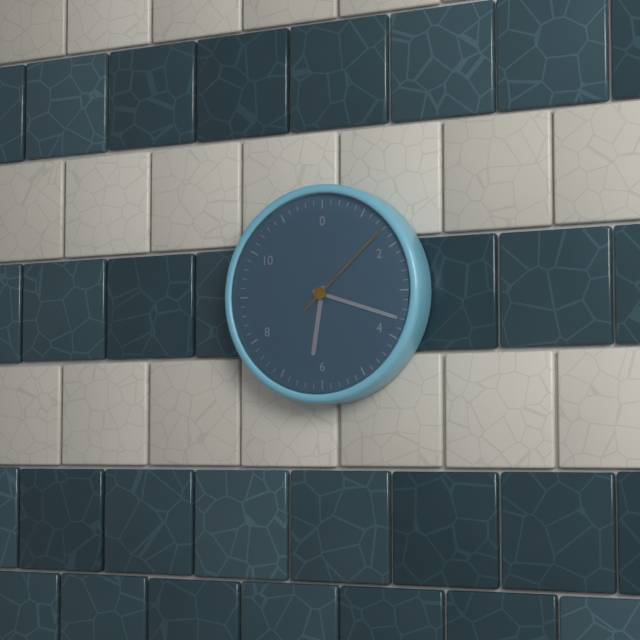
6:18:08
